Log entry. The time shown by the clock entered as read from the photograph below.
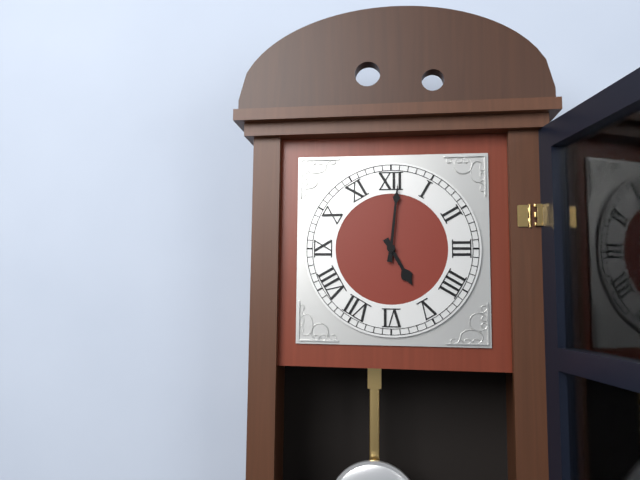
5:01
